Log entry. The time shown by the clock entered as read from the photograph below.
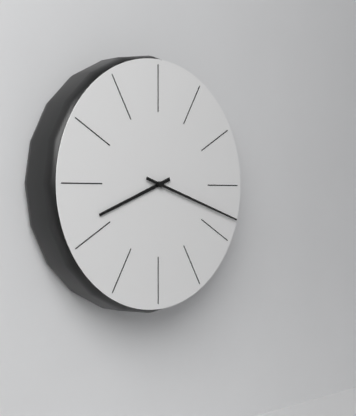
8:18
